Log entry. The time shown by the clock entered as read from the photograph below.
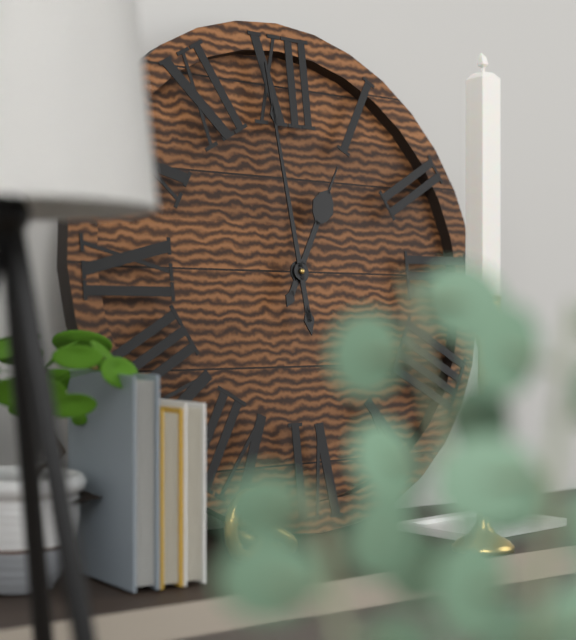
12:59
